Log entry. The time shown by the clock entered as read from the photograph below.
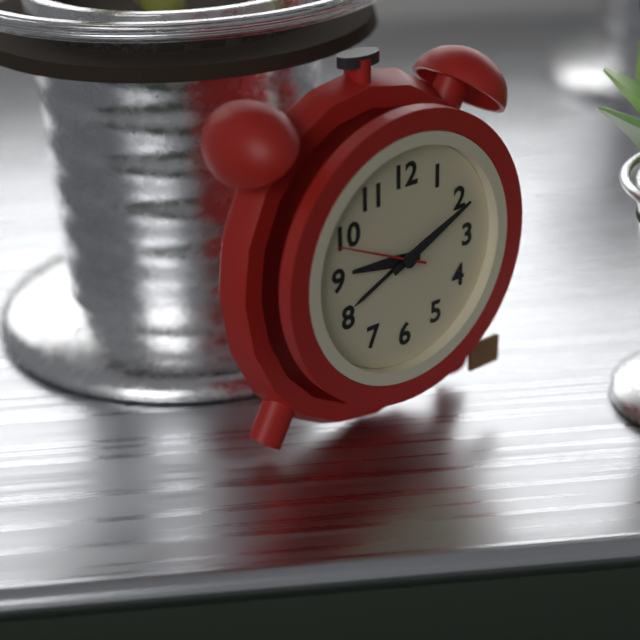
9:11:49
